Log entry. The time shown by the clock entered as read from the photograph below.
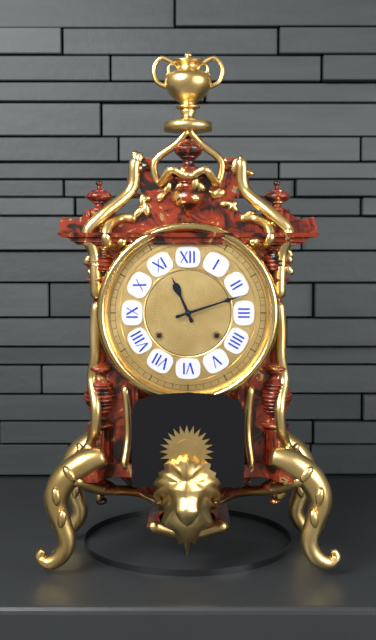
11:12
